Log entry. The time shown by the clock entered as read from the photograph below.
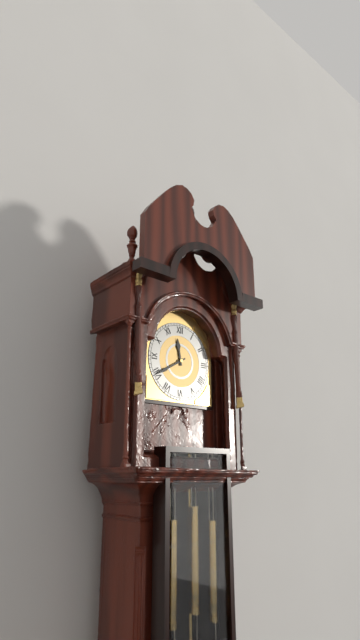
11:40
